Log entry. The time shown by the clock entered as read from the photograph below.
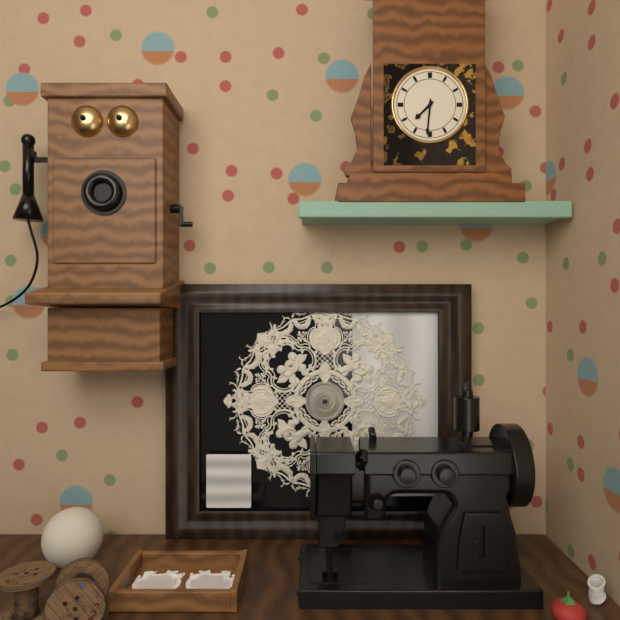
7:31
